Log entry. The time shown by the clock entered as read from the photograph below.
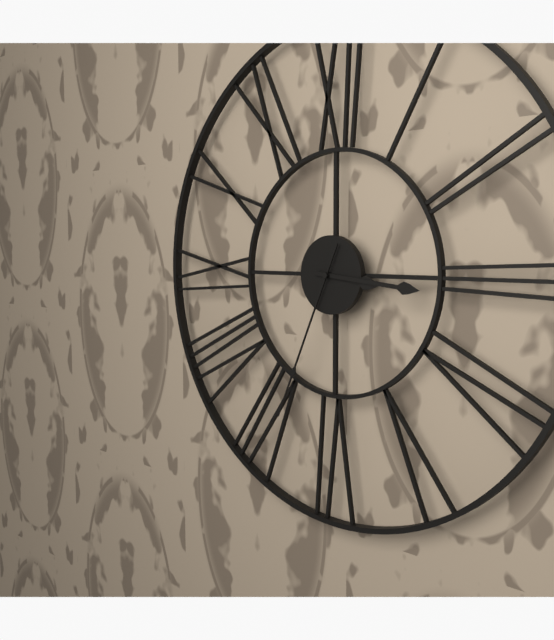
3:16:34
